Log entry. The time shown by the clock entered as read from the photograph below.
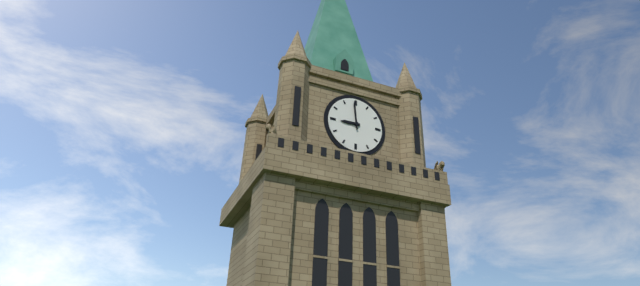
8:59
